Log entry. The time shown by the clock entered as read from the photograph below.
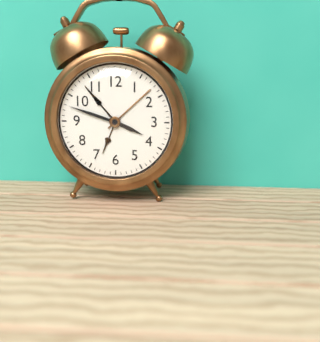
3:48
